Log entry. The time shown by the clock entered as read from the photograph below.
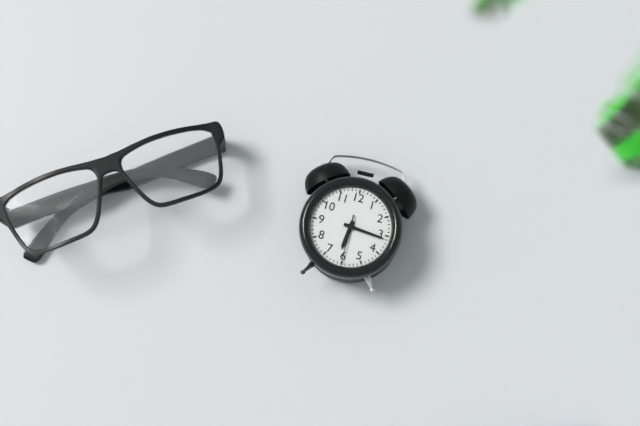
6:16
